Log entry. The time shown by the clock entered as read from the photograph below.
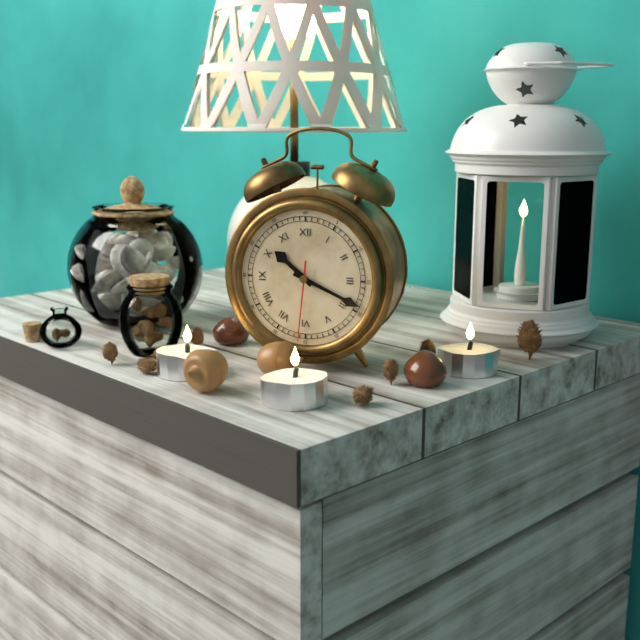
10:19:31
